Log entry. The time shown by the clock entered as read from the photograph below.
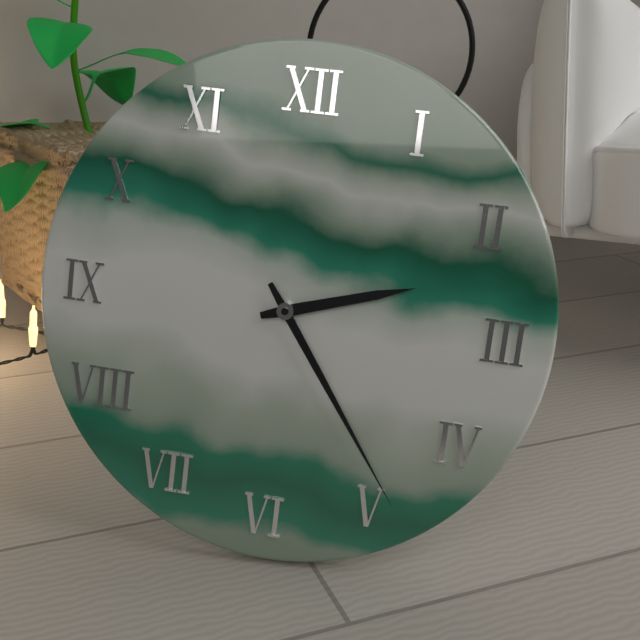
2:24
